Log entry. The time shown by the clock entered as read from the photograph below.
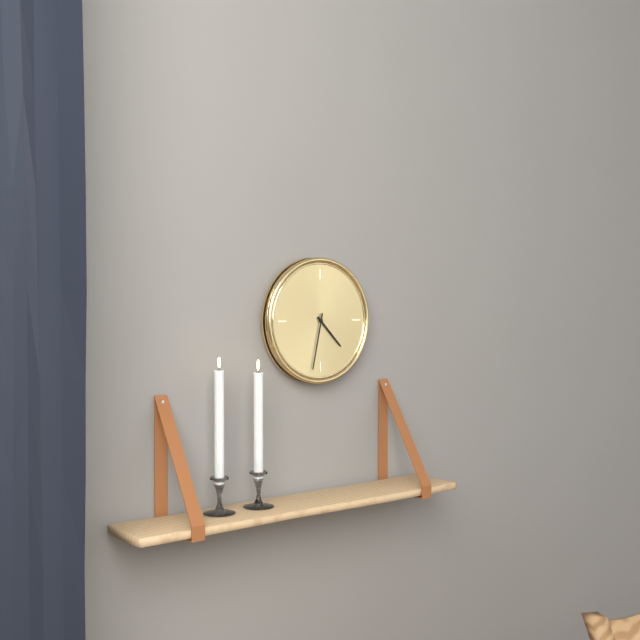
4:32
